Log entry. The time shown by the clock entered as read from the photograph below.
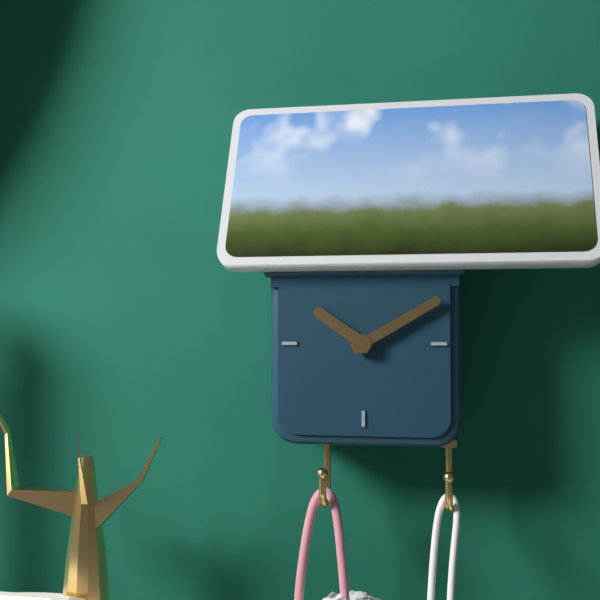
10:10
